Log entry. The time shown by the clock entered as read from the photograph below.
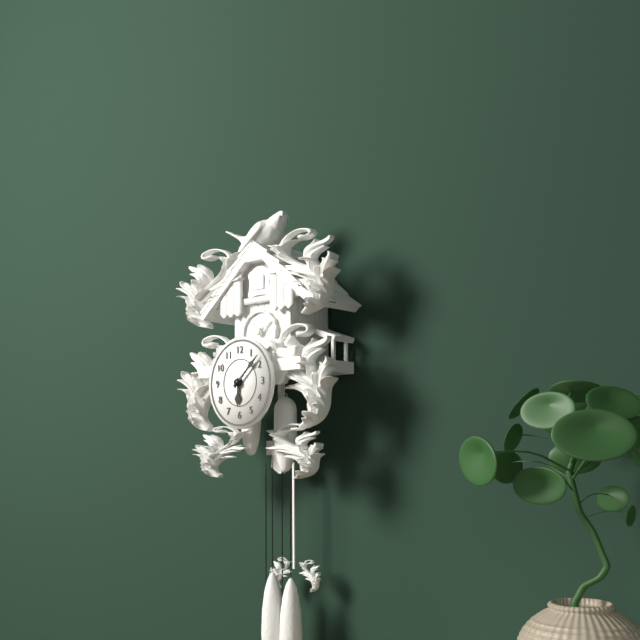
6:08
